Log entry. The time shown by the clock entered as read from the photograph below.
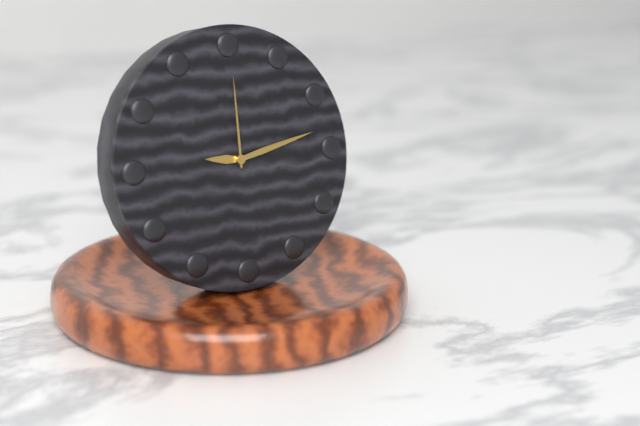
9:13:00
